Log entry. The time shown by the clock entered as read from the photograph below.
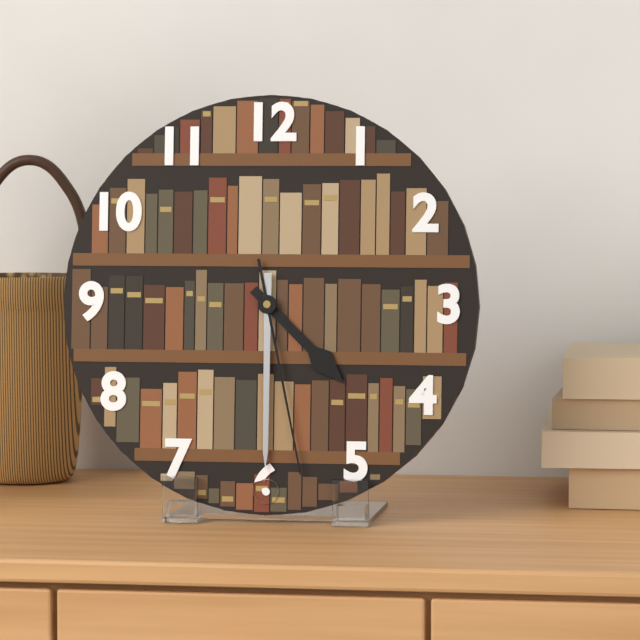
4:30:28
